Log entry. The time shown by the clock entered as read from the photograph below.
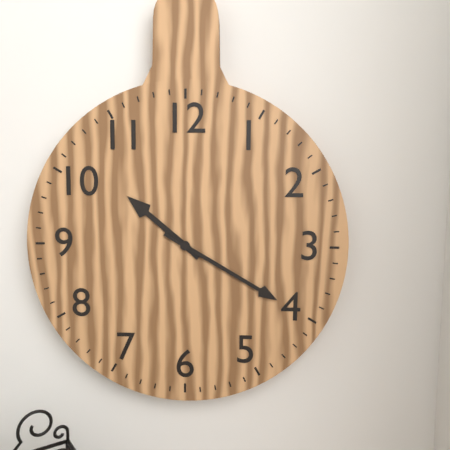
10:20
